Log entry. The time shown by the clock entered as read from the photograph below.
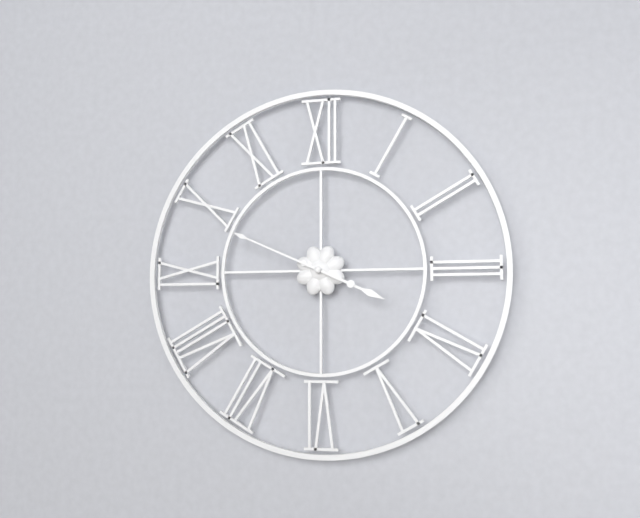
3:49
